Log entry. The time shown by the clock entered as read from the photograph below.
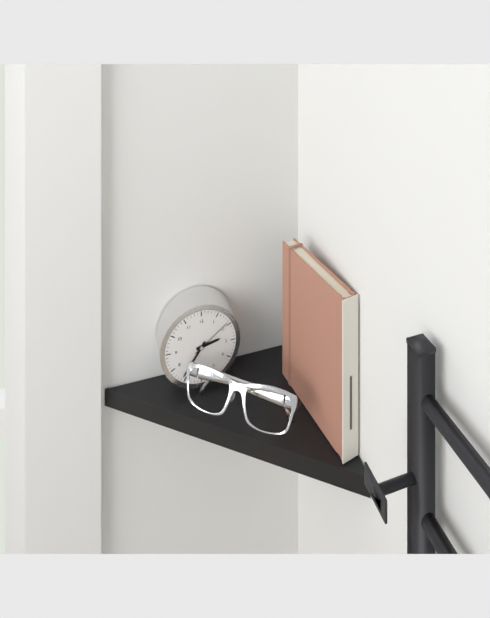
2:36
